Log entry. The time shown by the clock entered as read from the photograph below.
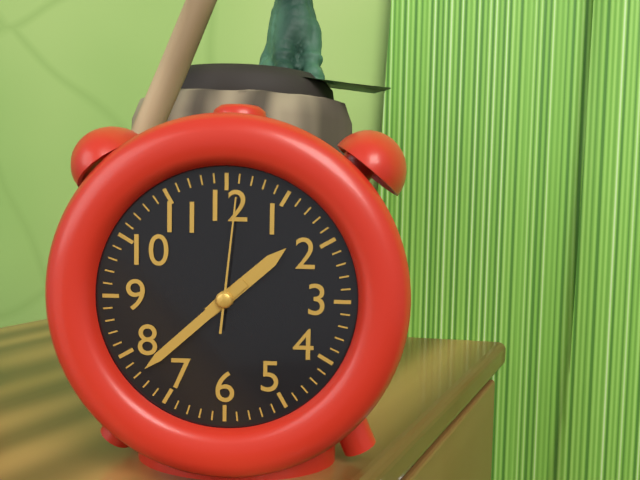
1:38:01
